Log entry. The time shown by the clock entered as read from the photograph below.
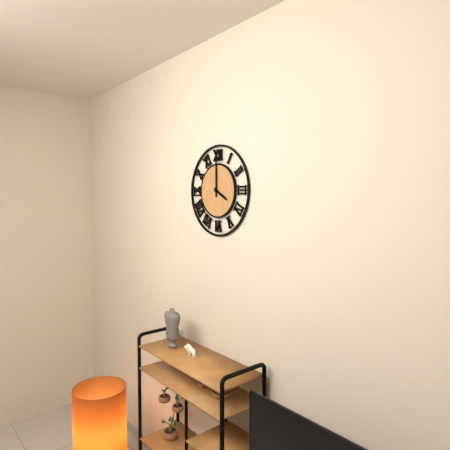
4:00
